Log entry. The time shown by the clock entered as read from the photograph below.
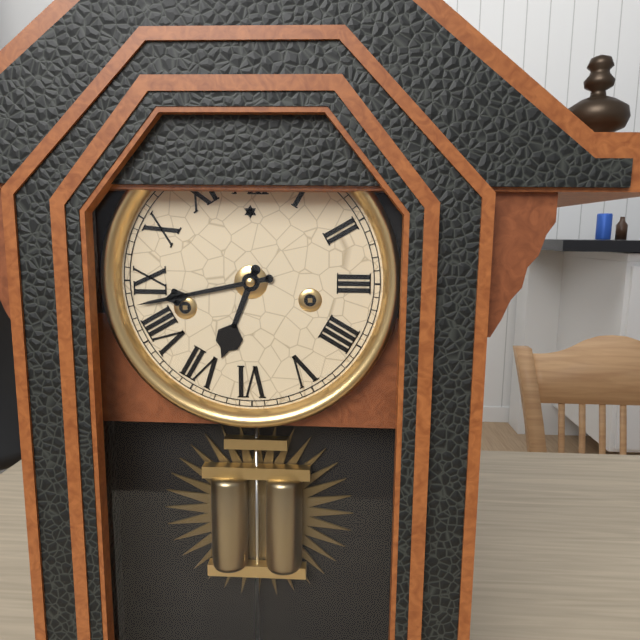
6:43
